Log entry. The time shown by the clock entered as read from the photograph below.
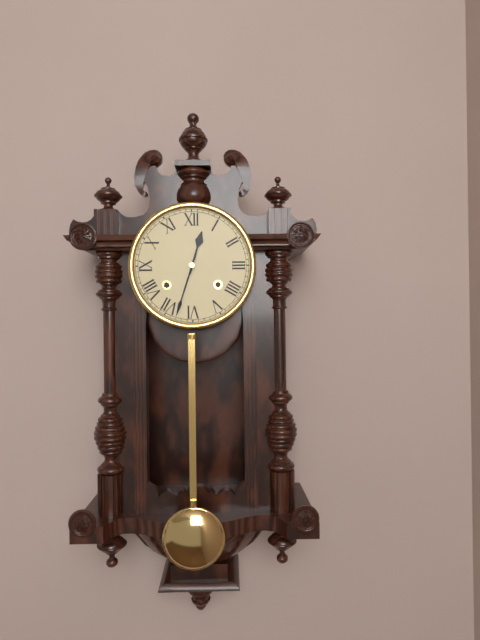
12:33
